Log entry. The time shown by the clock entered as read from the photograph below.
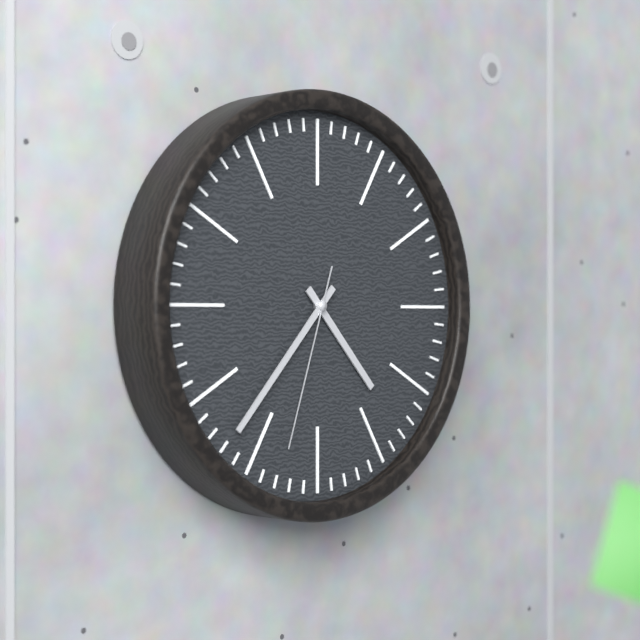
4:37:33
